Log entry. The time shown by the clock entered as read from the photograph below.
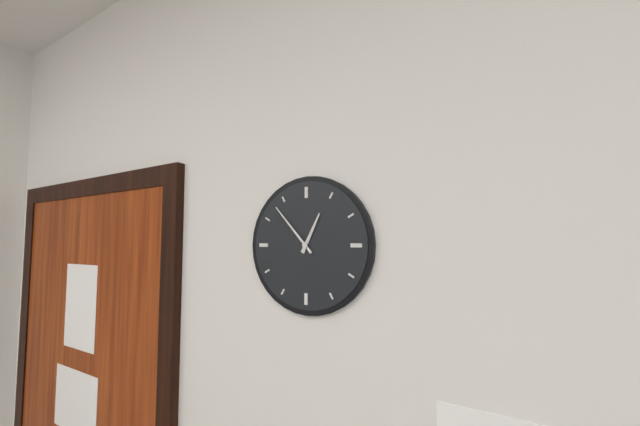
12:53
